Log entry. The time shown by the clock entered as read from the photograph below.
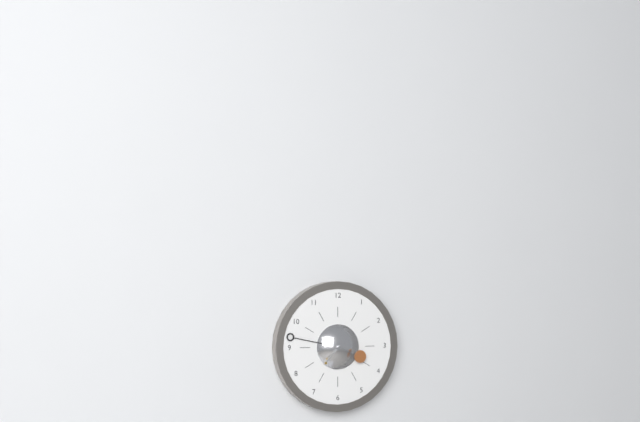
3:47
